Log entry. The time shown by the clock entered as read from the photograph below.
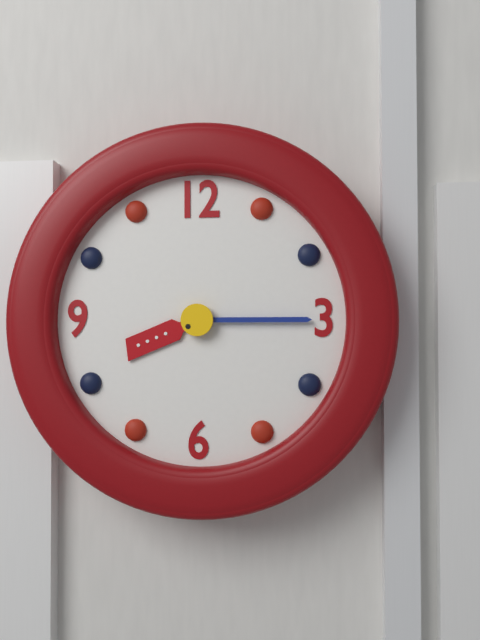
8:15
